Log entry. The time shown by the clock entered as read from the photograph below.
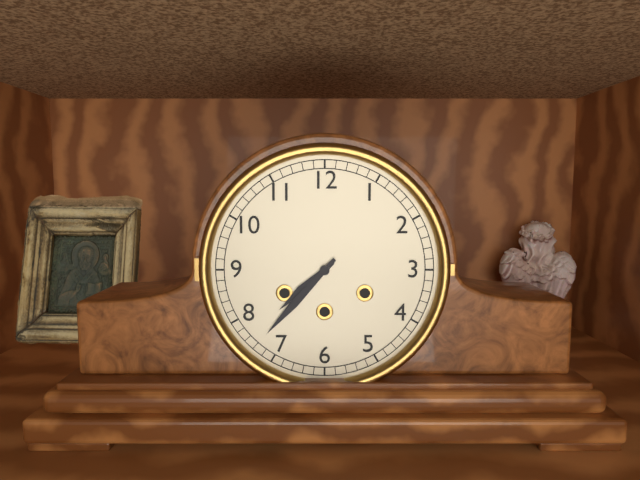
7:37
